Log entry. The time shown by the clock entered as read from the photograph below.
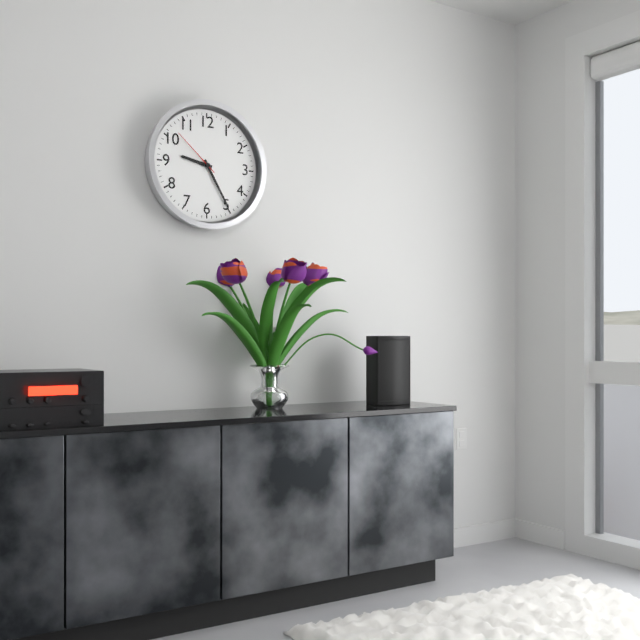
9:25:52
